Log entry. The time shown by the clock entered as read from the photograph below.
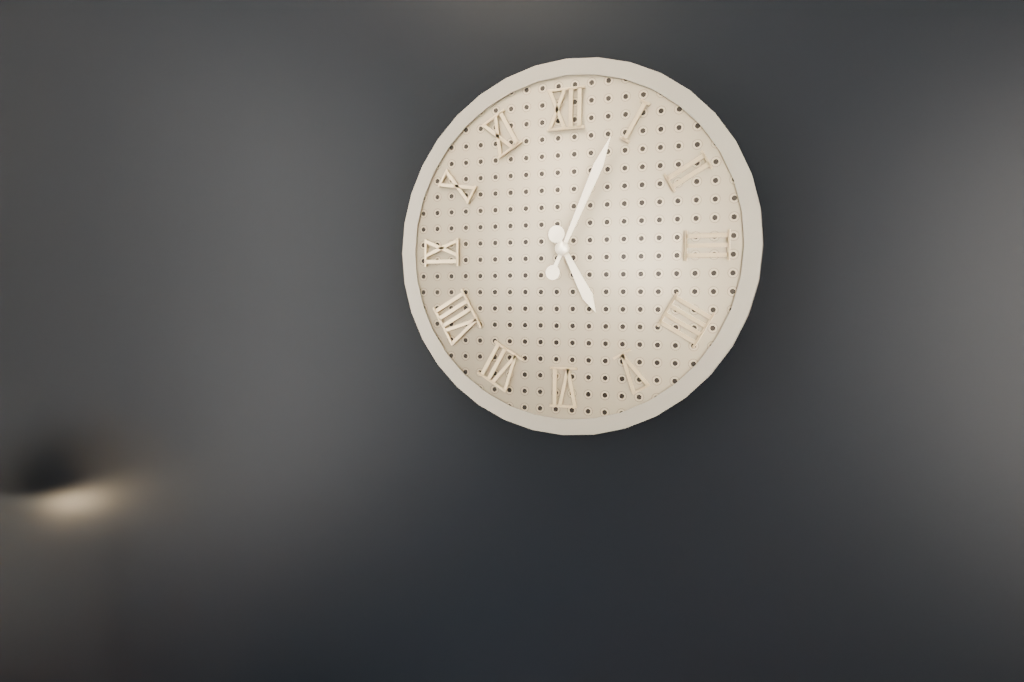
5:04
